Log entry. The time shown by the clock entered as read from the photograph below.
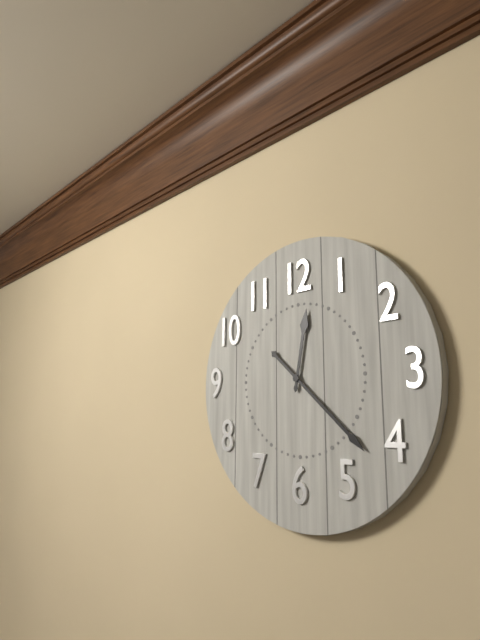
12:22
